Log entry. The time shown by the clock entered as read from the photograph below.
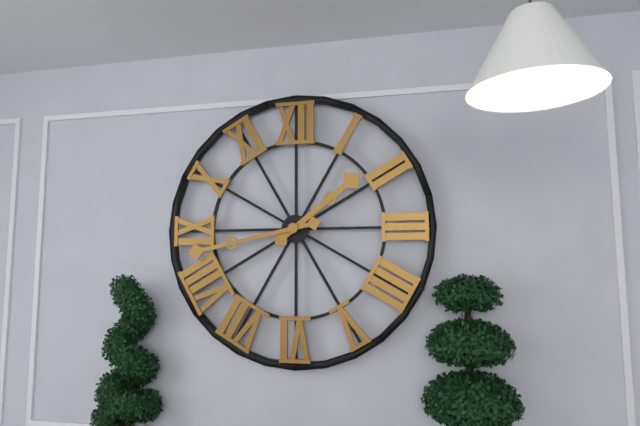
1:43
